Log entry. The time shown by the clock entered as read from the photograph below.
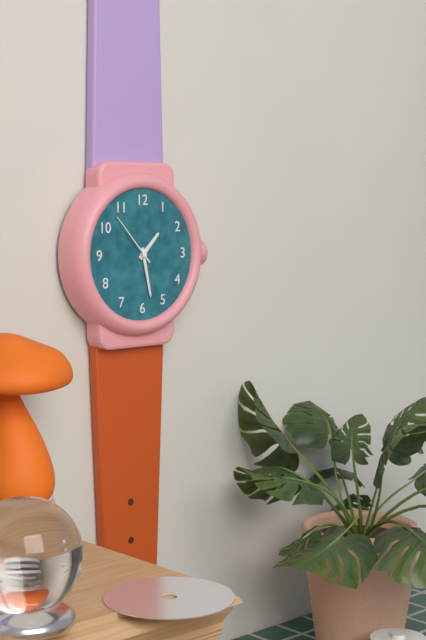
1:28:53
